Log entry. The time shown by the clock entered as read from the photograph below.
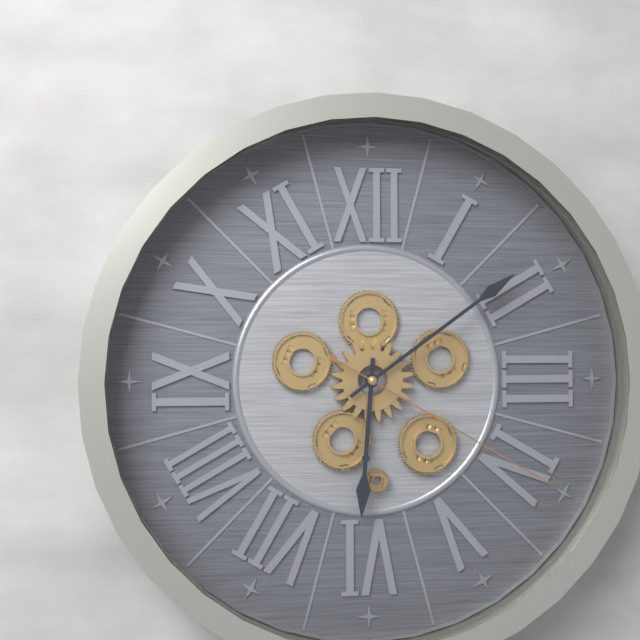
6:09:20
